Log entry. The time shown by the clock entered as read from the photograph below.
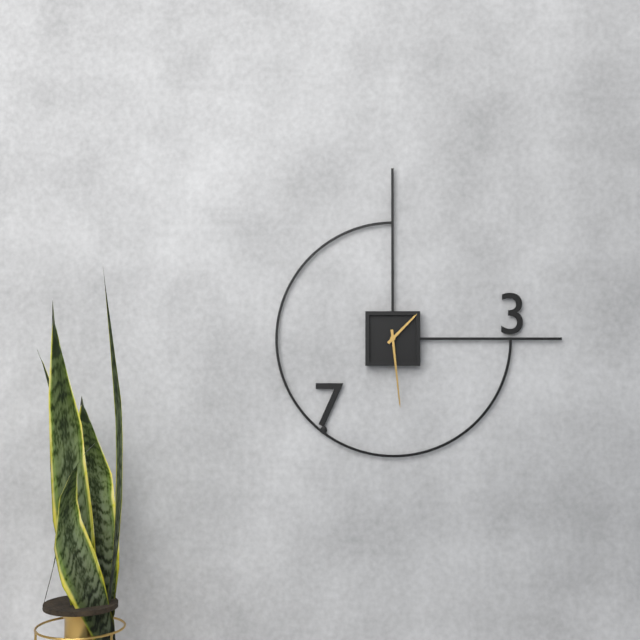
1:29
